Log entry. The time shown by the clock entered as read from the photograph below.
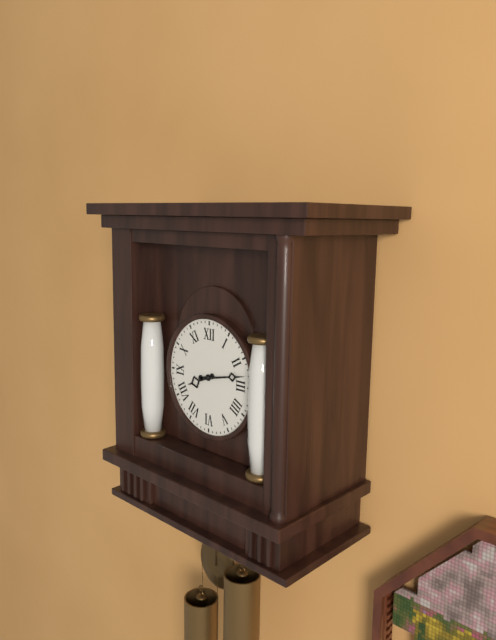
8:13
